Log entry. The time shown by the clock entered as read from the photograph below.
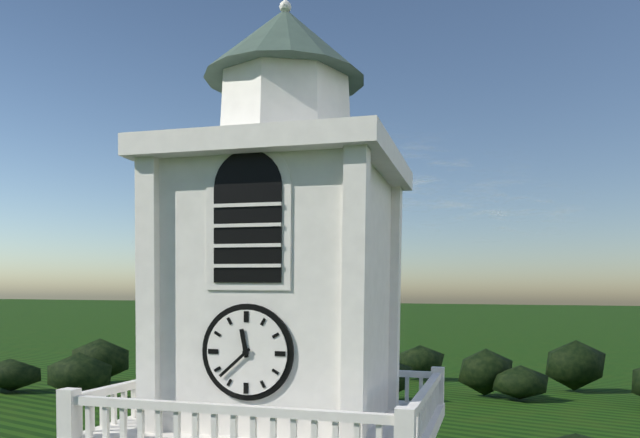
11:38
